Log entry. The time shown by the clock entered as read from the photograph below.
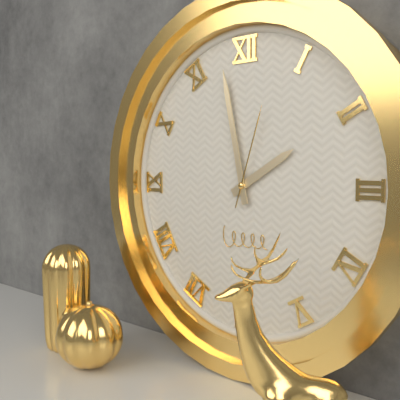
1:58:03
